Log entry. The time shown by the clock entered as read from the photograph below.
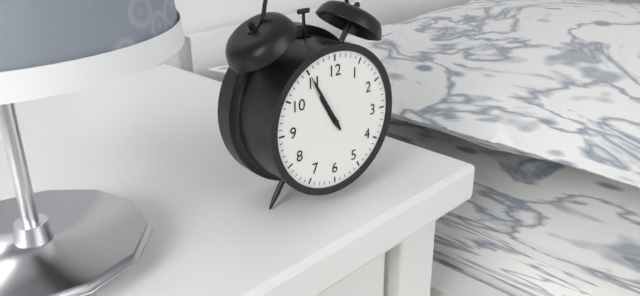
10:55
